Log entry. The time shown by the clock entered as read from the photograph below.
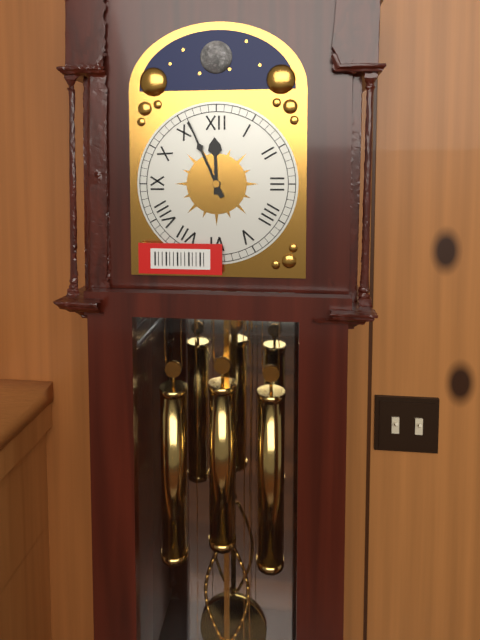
11:56
